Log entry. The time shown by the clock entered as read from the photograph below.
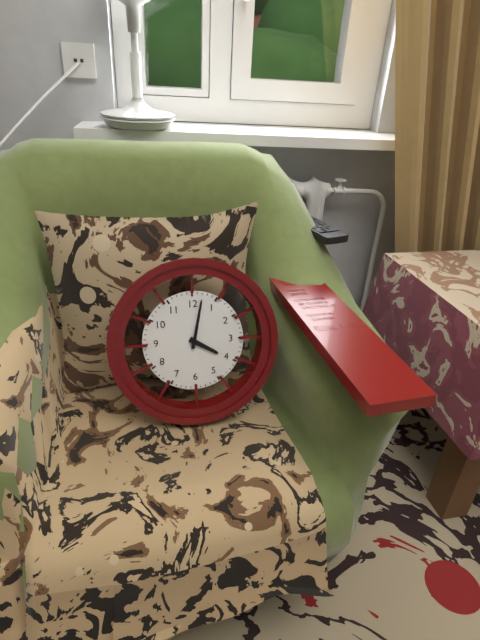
4:02
